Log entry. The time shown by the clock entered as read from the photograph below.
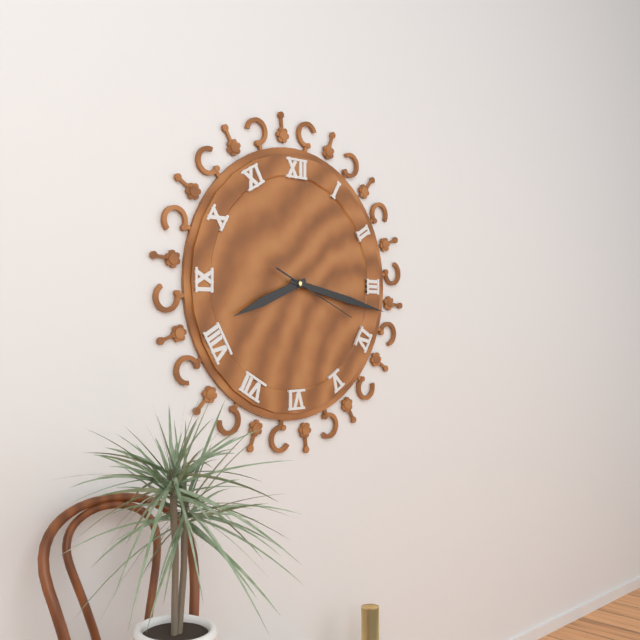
8:17:19
